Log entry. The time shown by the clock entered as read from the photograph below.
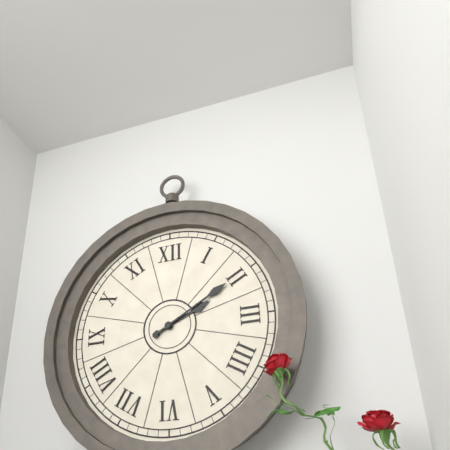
2:10
